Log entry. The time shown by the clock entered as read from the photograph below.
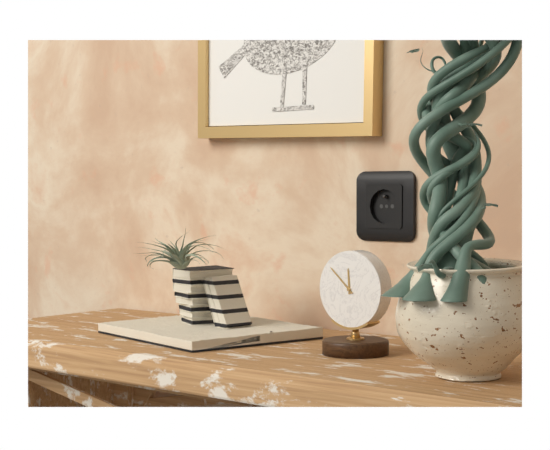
11:52
